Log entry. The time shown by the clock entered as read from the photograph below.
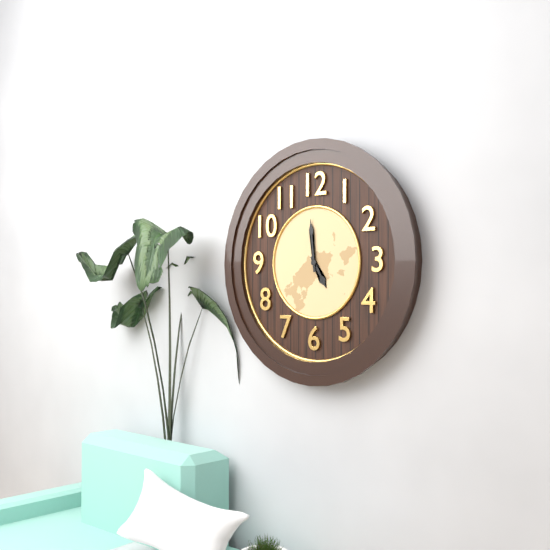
4:59
